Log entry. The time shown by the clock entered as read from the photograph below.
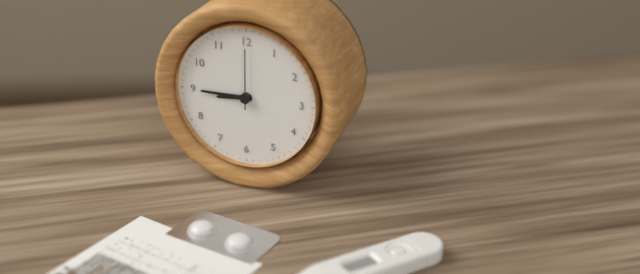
8:45:00
